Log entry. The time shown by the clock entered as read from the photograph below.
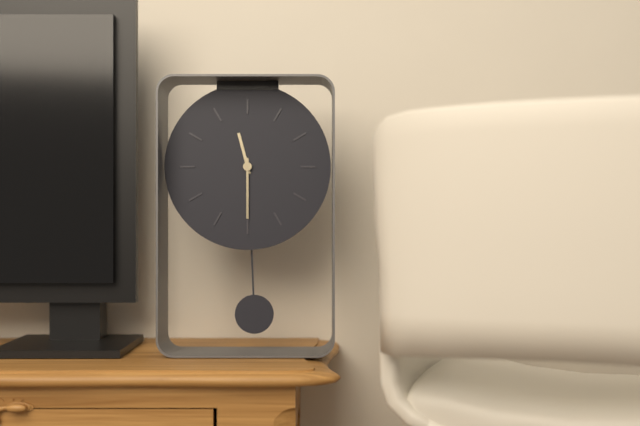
11:30
